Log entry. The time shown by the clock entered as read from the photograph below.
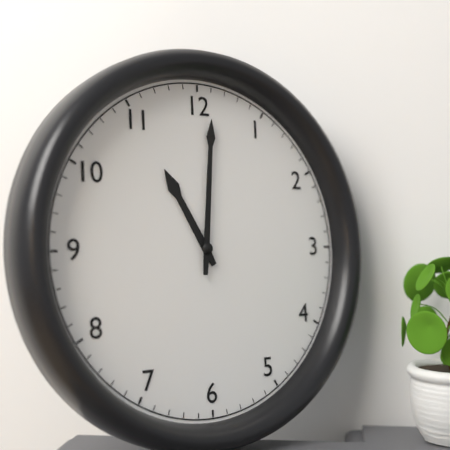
11:01
